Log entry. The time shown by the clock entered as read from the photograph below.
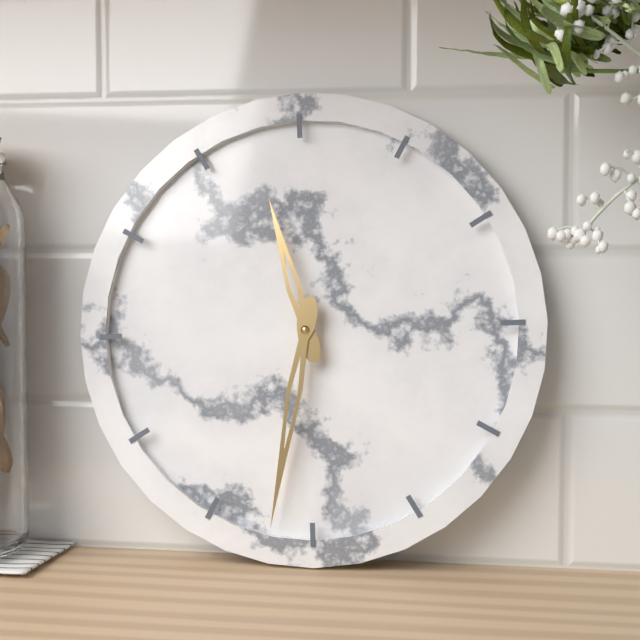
11:32
